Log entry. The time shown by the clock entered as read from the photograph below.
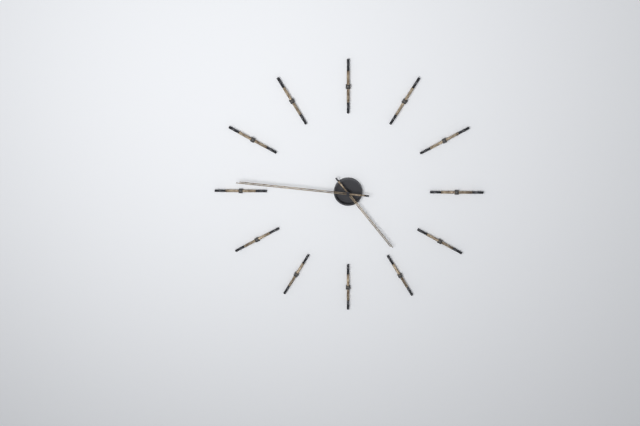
4:46
